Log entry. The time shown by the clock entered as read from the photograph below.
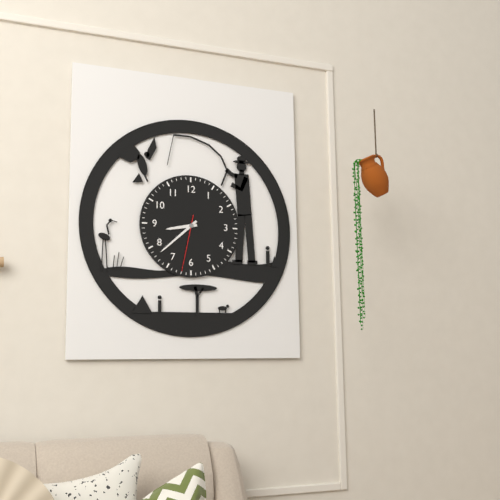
8:38:32
